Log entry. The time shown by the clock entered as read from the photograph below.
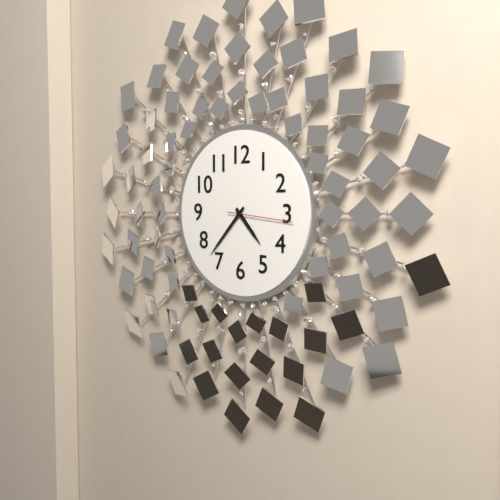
4:37:16
